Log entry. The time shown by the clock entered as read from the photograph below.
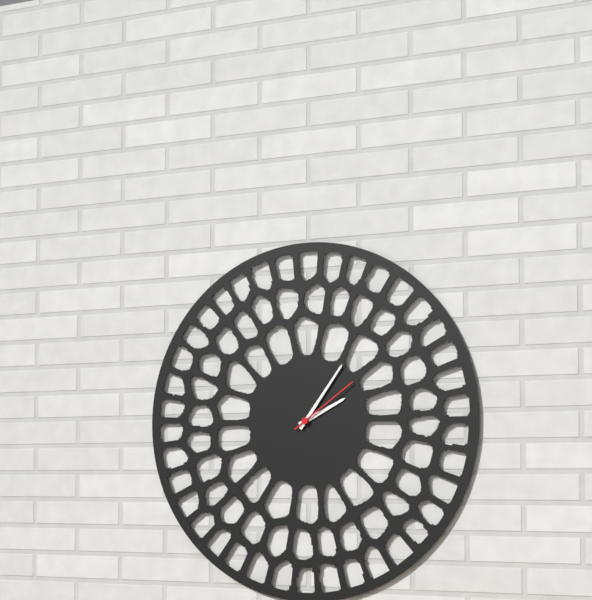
2:06:09
